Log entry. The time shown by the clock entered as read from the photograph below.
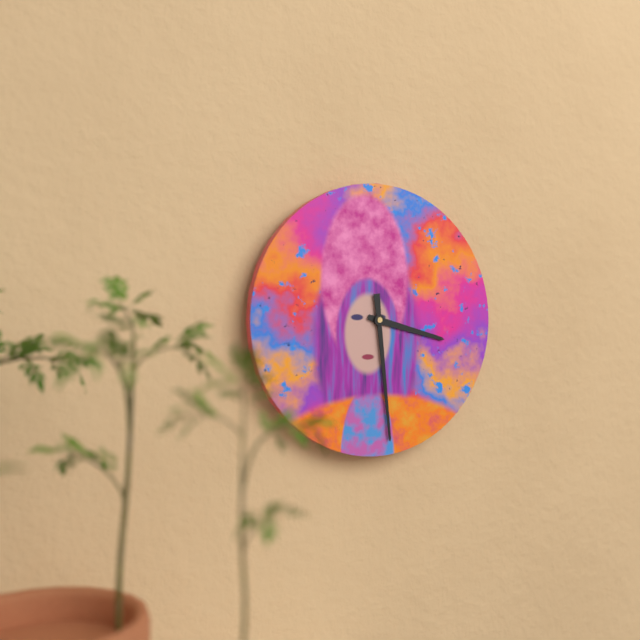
3:29
